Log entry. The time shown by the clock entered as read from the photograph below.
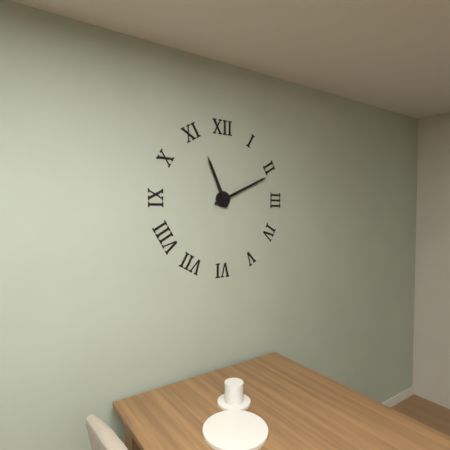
11:11
